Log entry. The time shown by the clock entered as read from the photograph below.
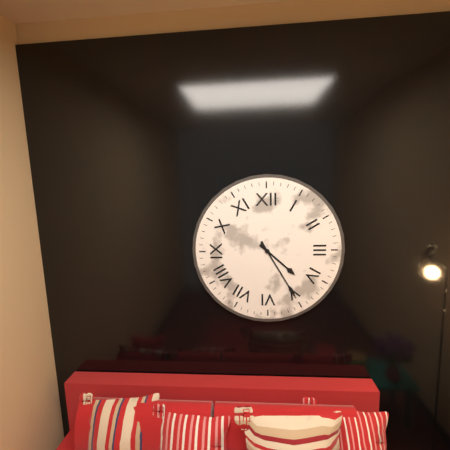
4:25
